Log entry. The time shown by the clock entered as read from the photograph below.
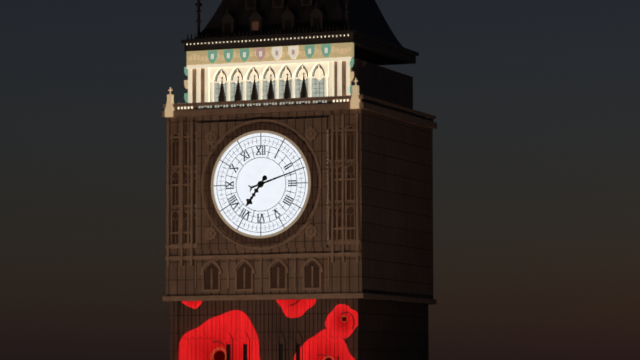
7:12
